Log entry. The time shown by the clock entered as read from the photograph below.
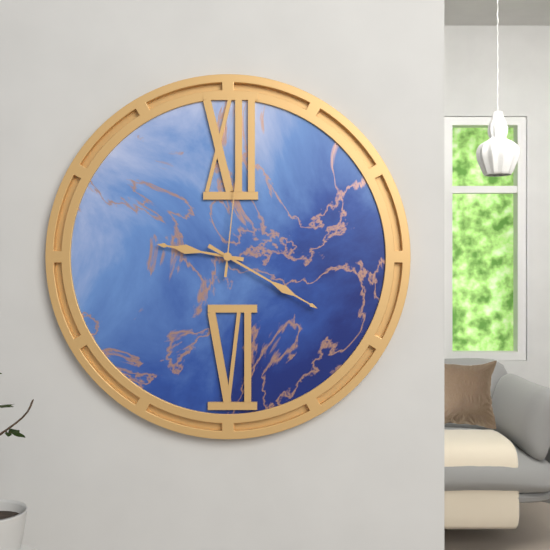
9:20:01
